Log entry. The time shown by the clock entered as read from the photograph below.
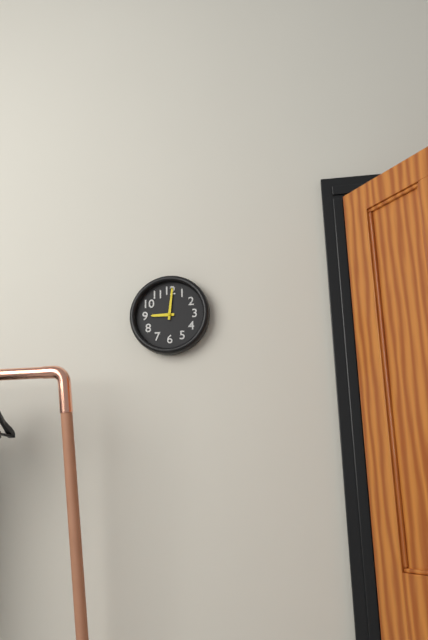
9:01
